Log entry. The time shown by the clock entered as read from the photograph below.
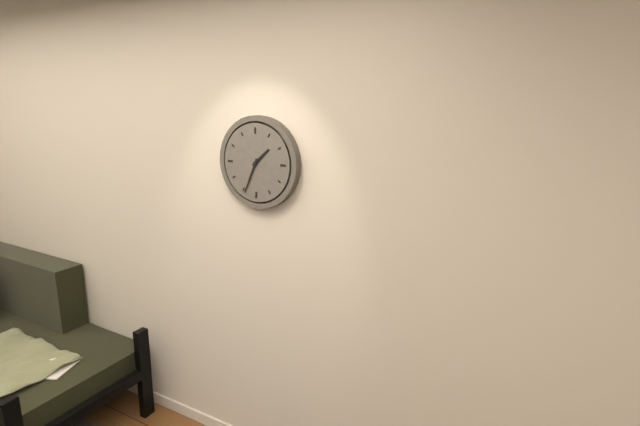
1:34
